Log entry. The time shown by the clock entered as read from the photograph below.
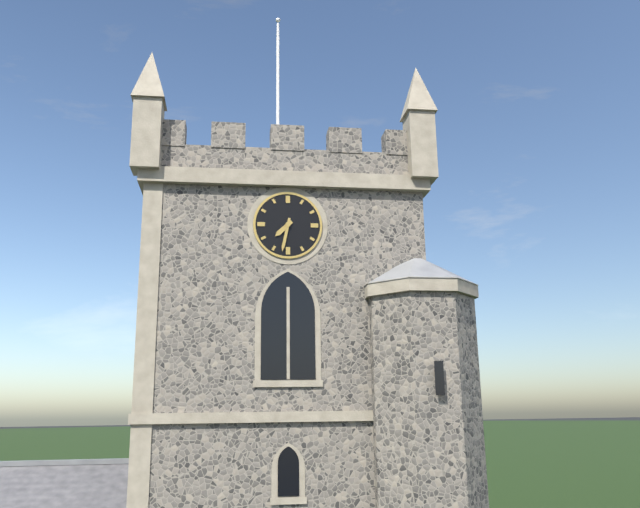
7:32
